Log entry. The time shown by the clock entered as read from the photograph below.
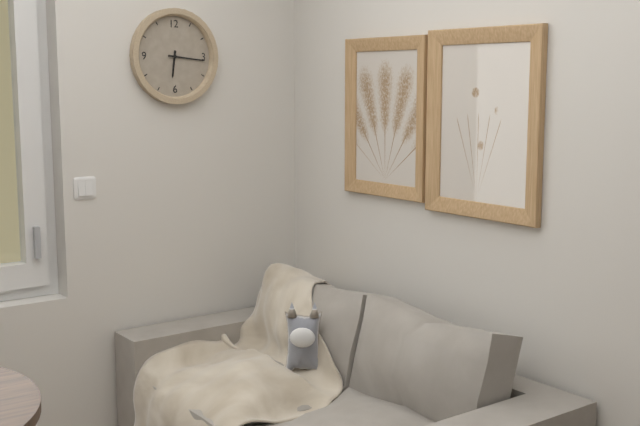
6:16
